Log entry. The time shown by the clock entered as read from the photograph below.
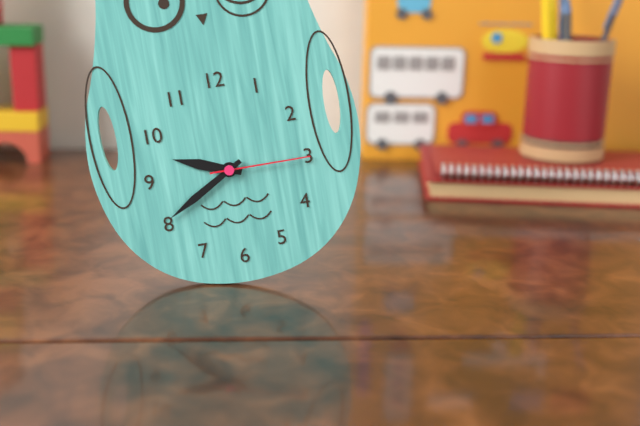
9:40:15
